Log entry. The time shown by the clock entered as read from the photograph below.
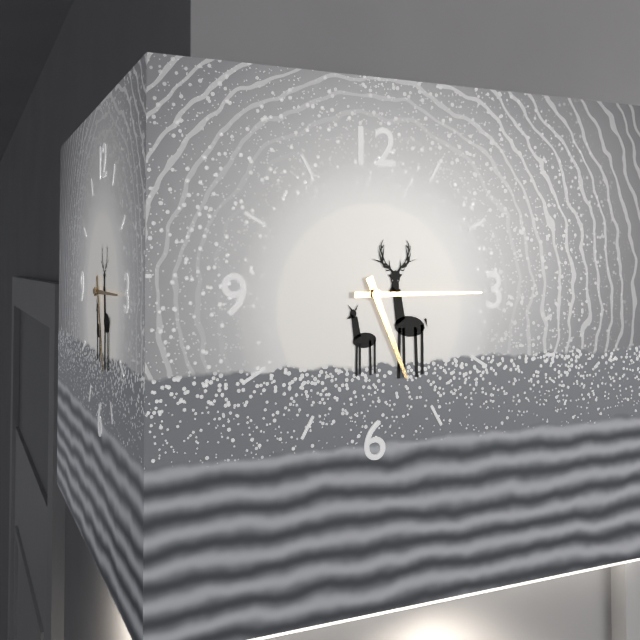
5:15
